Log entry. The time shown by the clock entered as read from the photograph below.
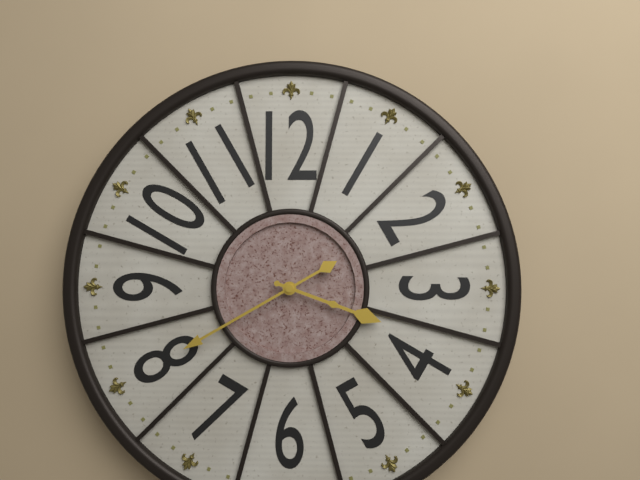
3:40
